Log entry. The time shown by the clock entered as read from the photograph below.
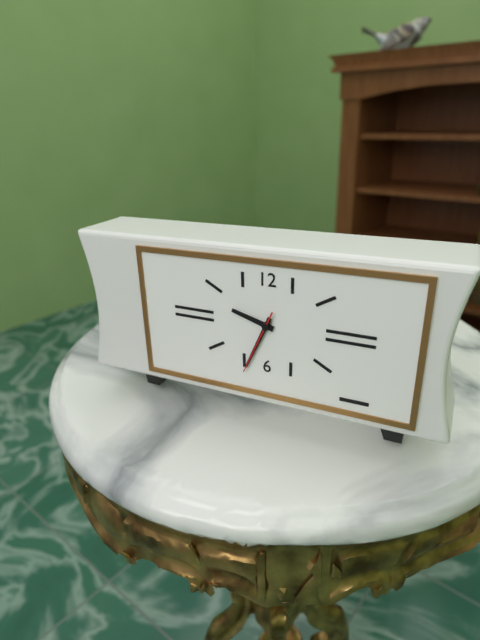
9:34:34
